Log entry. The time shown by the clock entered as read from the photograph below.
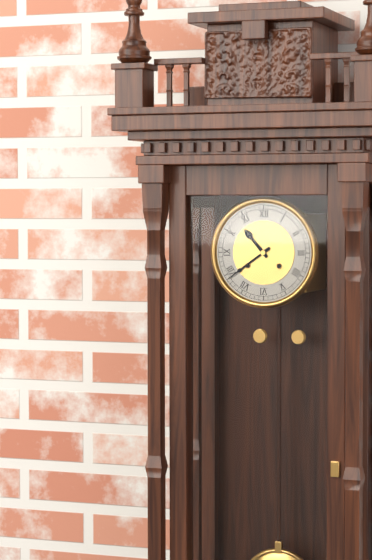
10:39
